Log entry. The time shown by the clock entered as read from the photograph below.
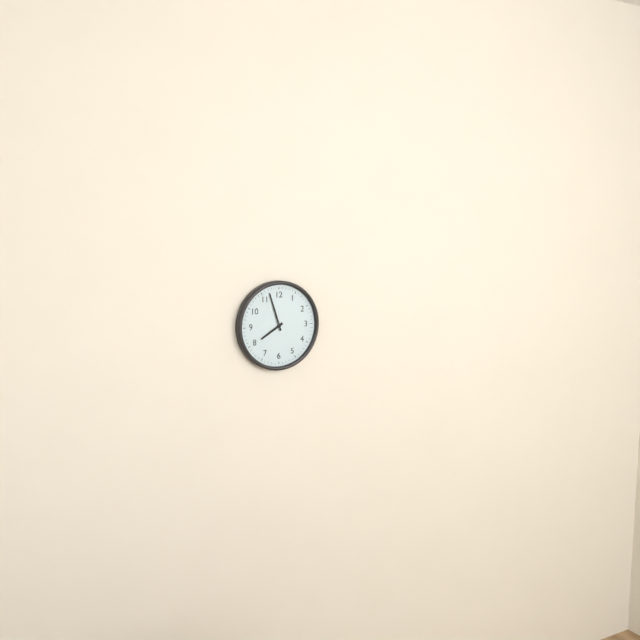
7:57
